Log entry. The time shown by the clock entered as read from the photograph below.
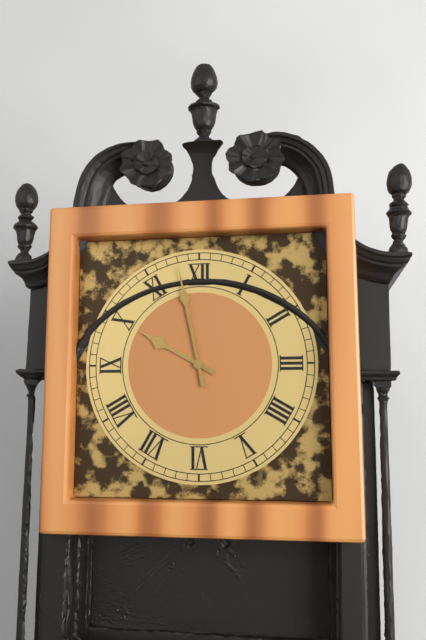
9:58
